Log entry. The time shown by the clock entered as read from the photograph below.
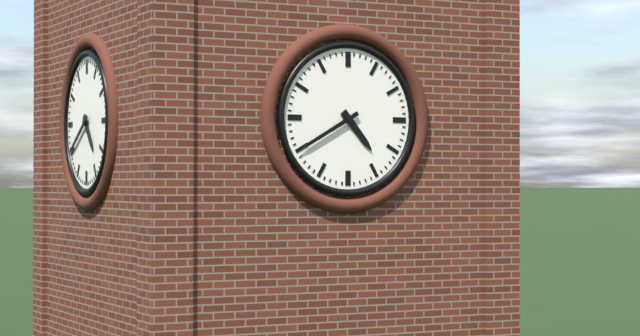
4:40
